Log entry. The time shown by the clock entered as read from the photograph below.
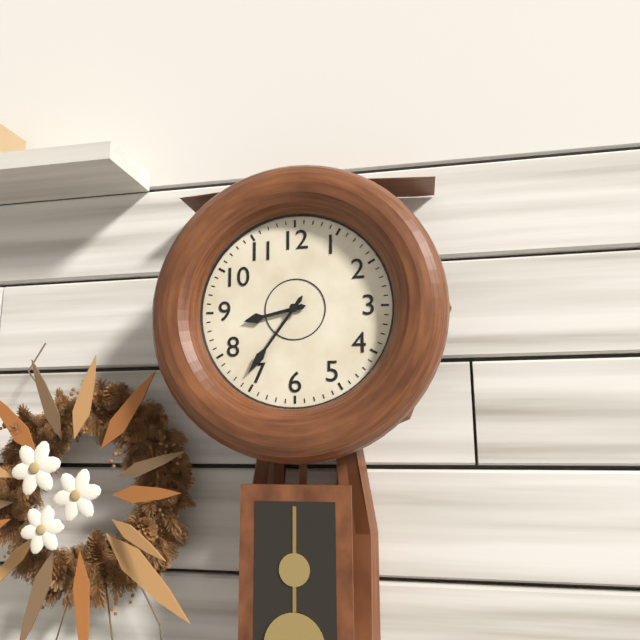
8:36
